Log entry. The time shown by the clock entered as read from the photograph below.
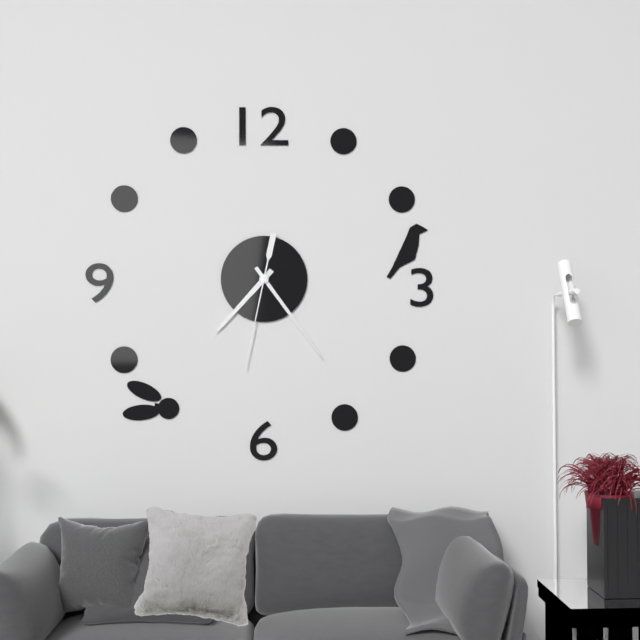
7:24:32
